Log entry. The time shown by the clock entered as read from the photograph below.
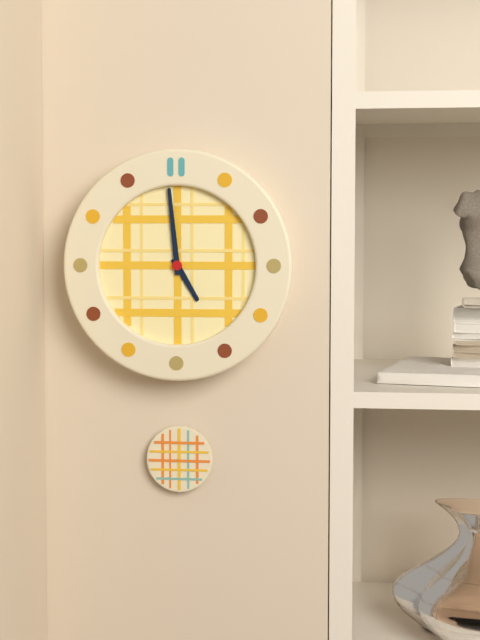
4:59
